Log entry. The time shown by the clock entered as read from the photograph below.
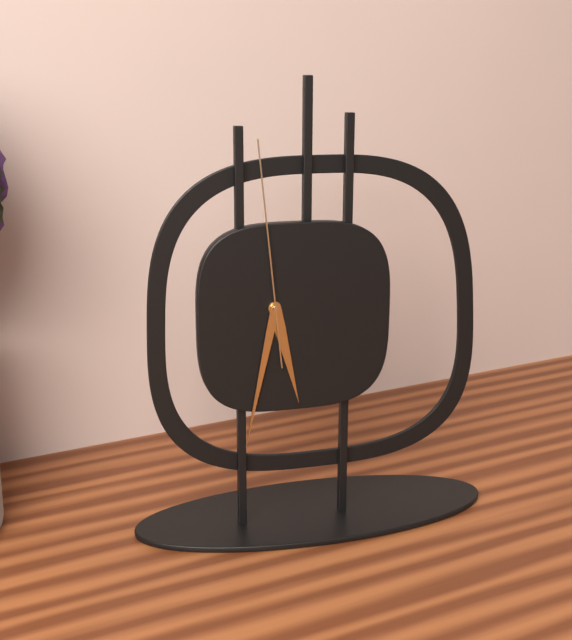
5:32:59
